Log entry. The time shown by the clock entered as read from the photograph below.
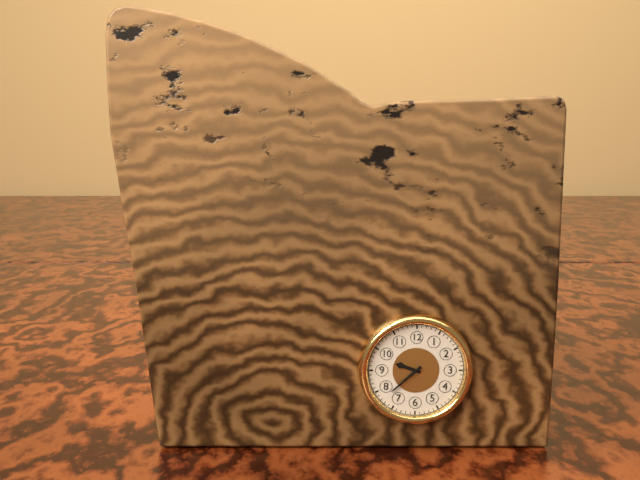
9:38
